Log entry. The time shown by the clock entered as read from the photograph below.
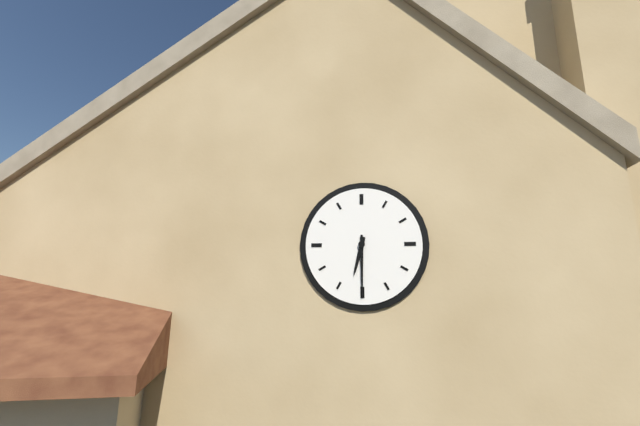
6:30
